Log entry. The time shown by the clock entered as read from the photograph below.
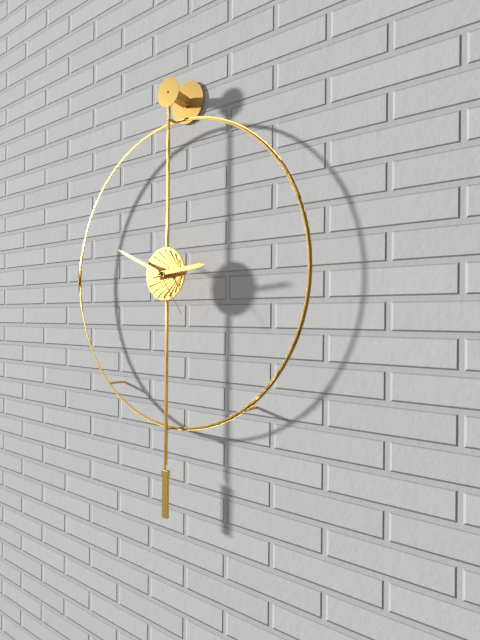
2:49:24
